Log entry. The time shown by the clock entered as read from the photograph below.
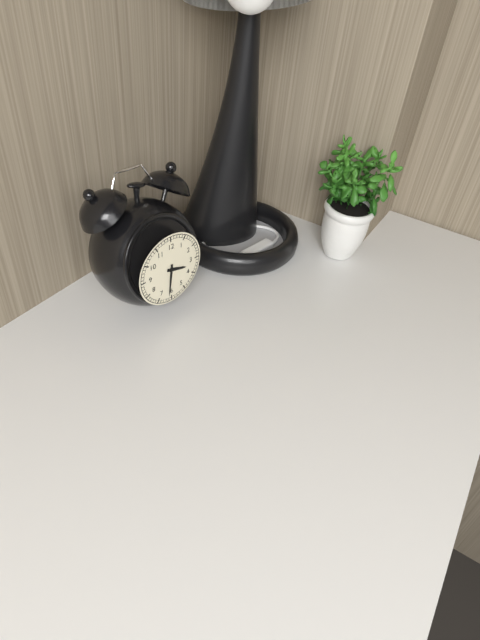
3:31
